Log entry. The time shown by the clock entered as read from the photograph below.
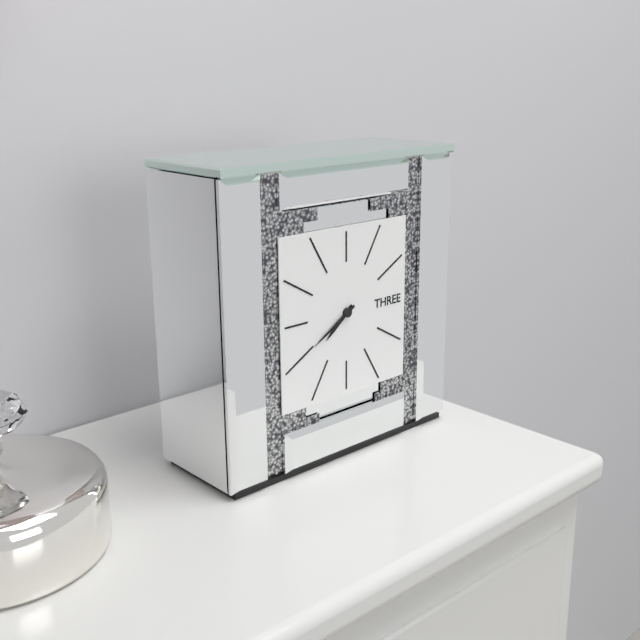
7:40
